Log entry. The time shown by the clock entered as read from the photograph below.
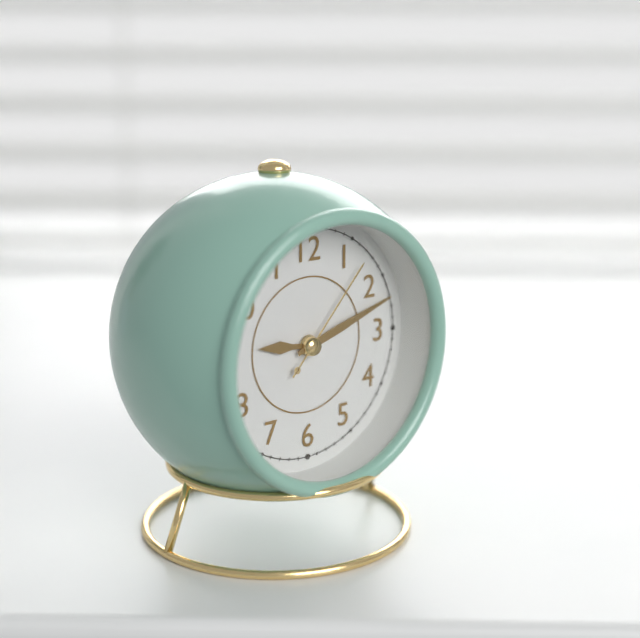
9:12:07
